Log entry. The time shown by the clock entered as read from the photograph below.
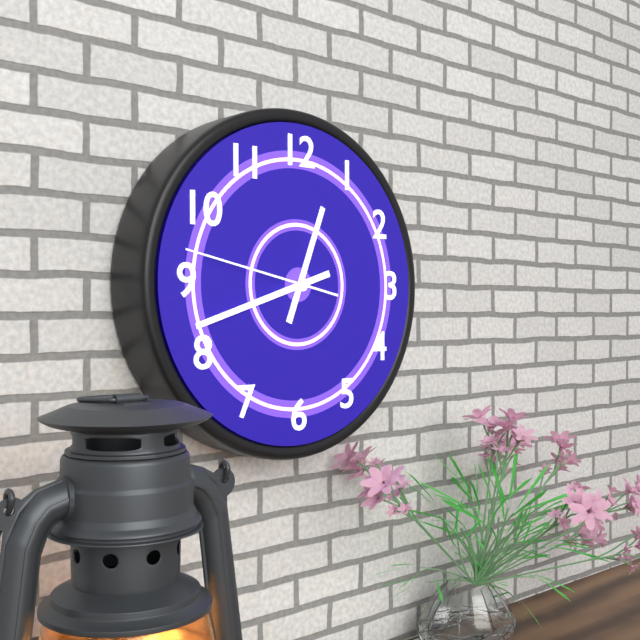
12:42:47
